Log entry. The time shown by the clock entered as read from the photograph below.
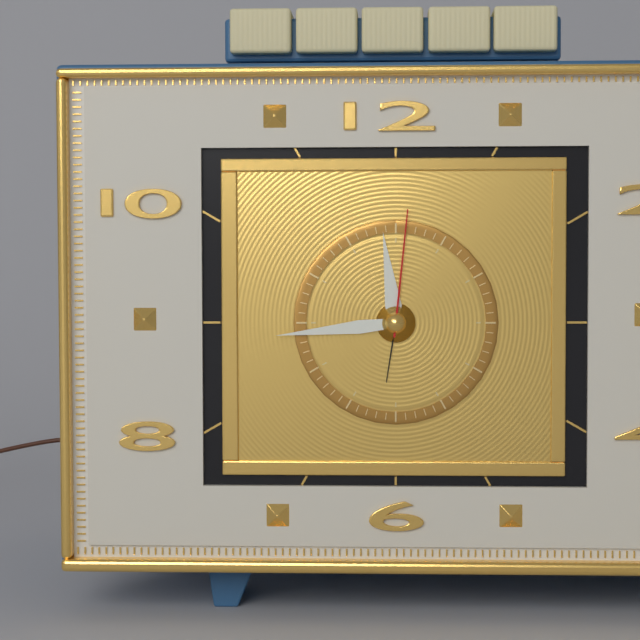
11:44:01
